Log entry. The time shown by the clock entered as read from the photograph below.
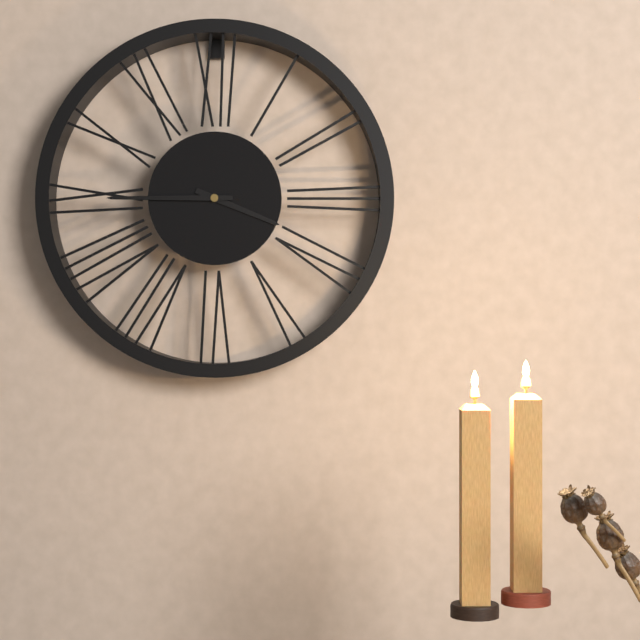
3:45
